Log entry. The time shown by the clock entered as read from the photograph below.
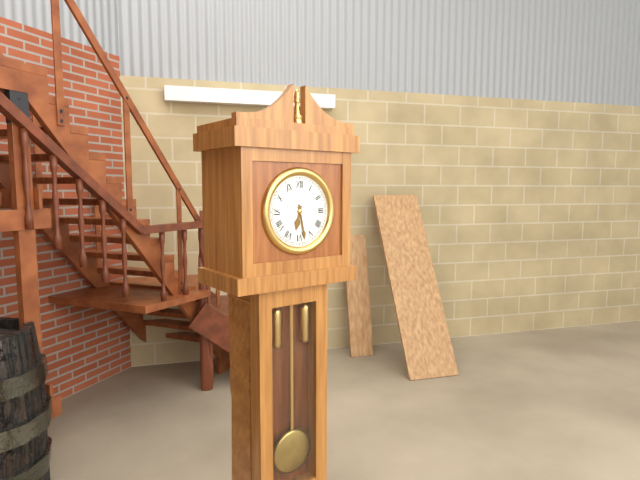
6:28
